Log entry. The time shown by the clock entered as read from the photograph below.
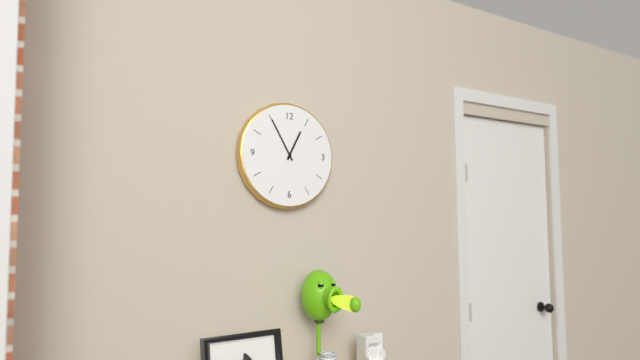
12:55
